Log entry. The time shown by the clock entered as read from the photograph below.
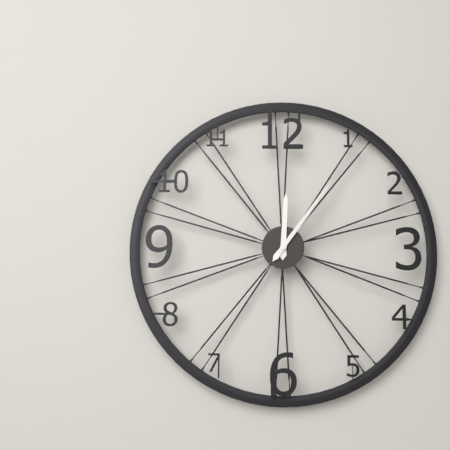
12:06
